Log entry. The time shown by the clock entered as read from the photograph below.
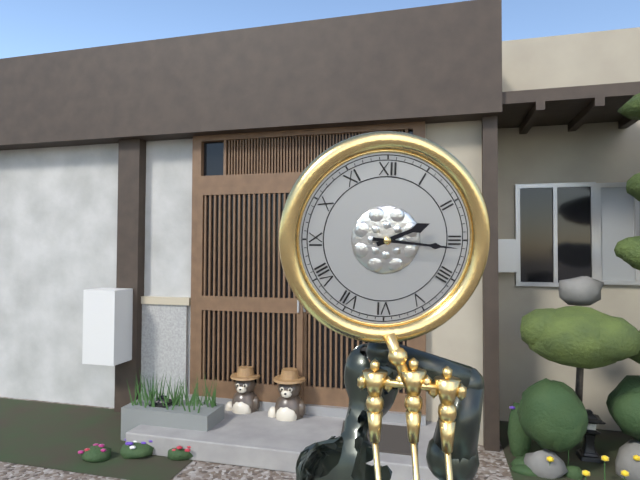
2:16
